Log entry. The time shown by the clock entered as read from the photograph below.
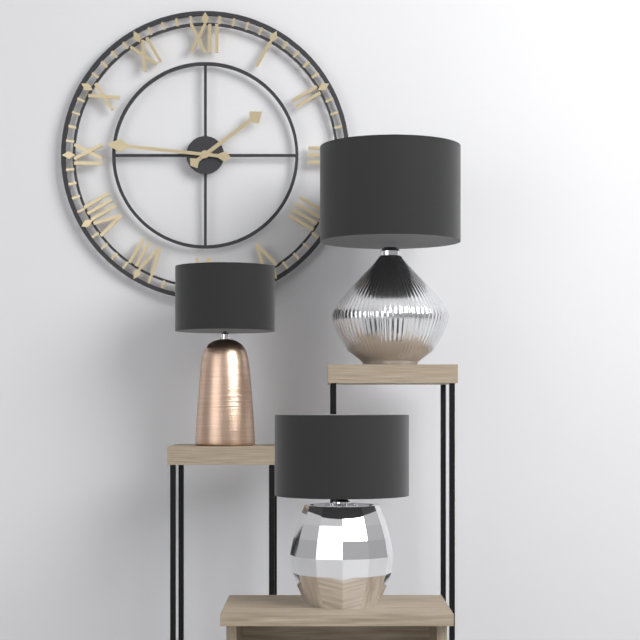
1:46
